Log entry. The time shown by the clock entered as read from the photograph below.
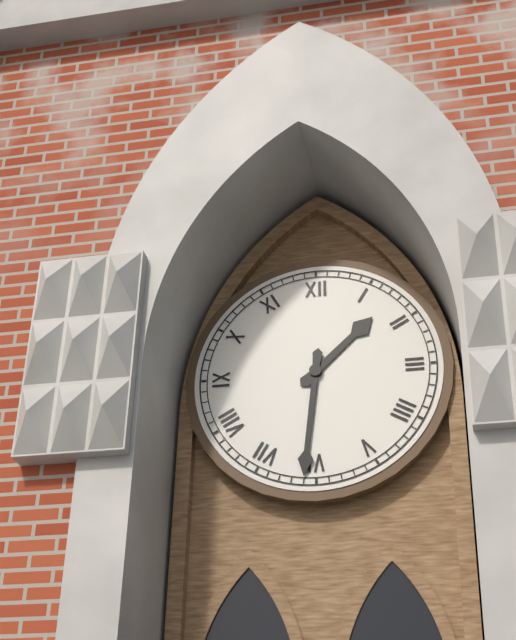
1:31
